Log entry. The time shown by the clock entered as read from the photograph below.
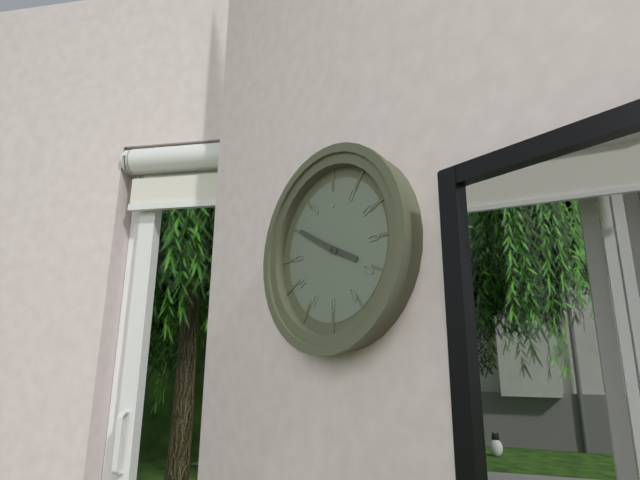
3:50
